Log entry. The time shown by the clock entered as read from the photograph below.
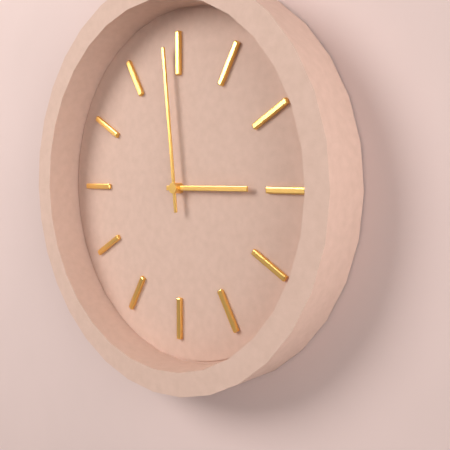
2:59
